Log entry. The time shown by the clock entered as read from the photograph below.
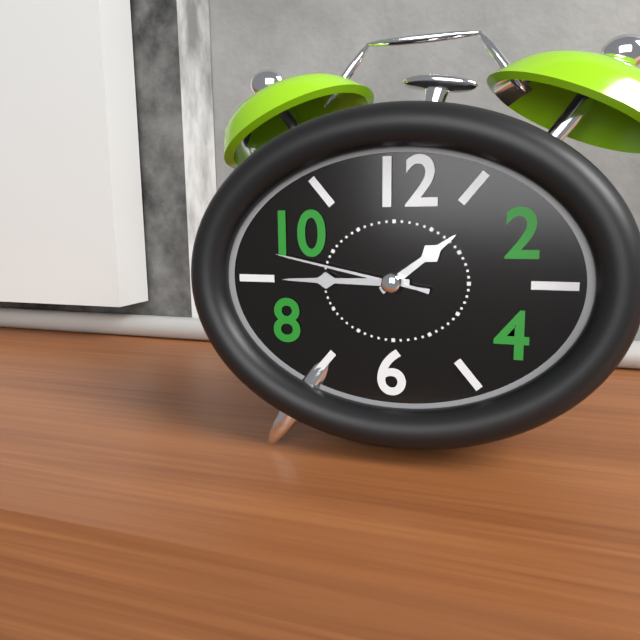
1:45:47
